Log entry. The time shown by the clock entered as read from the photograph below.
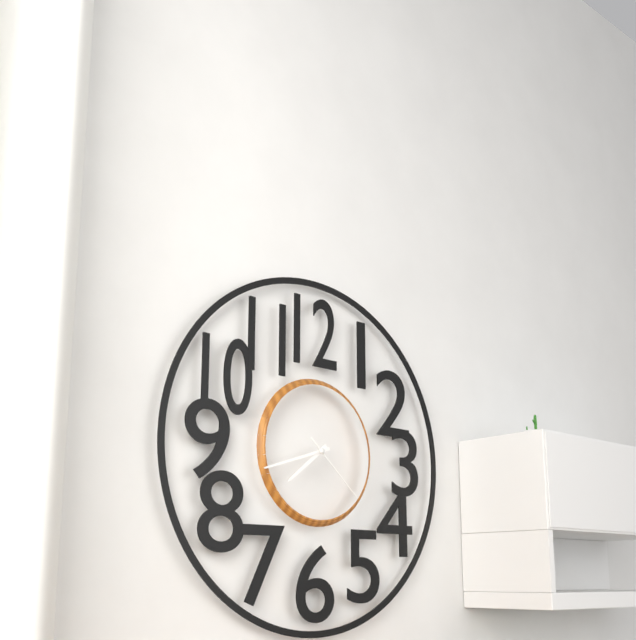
7:42:22
